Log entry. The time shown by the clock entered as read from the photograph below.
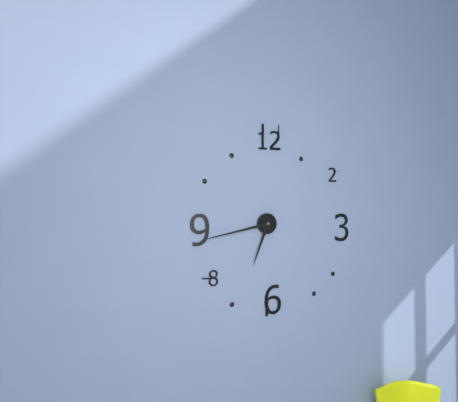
6:43
